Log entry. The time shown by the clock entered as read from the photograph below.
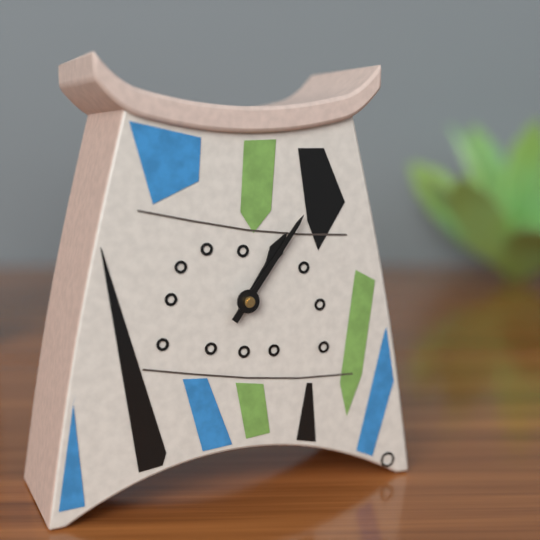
1:06
